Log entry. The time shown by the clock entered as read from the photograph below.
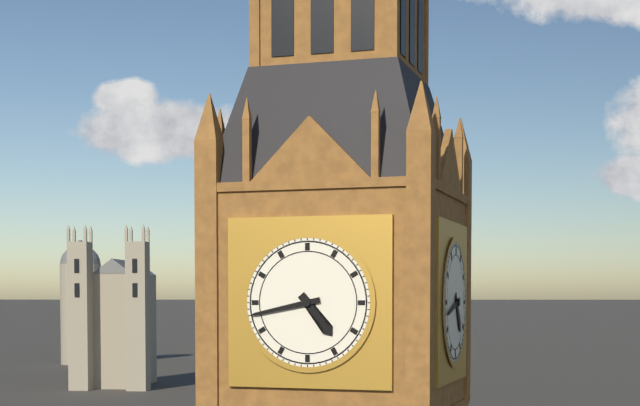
4:43
